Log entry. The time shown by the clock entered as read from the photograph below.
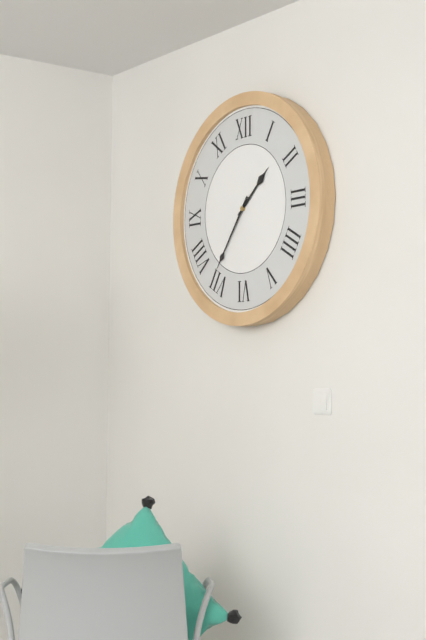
1:36
